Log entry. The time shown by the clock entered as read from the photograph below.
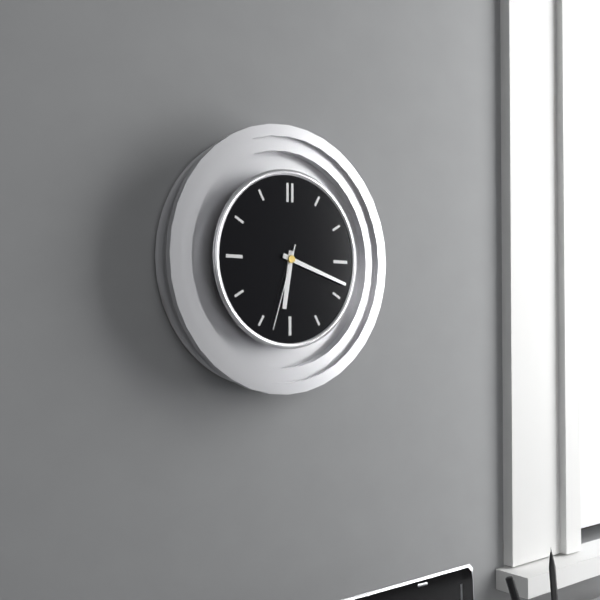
6:18:33
